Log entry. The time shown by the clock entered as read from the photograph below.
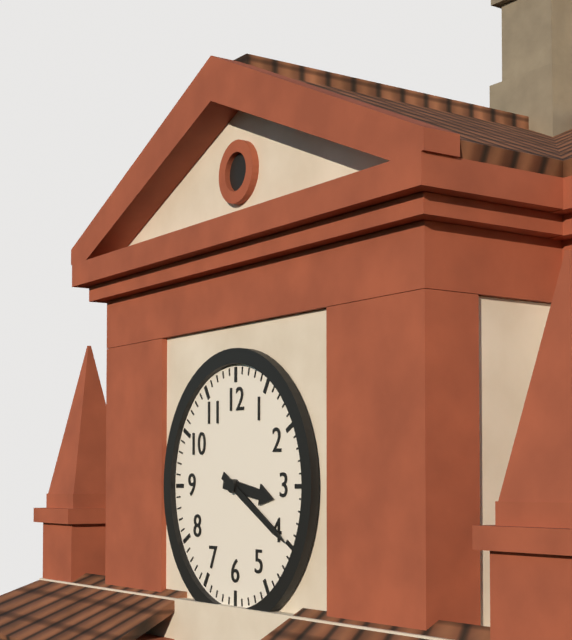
3:20
